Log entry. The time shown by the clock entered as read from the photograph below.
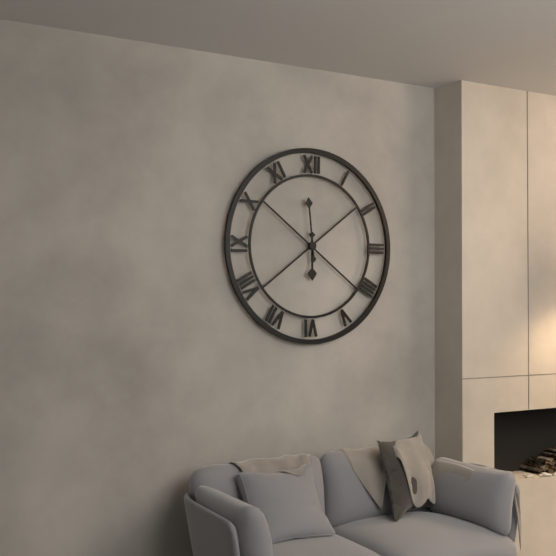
5:59
